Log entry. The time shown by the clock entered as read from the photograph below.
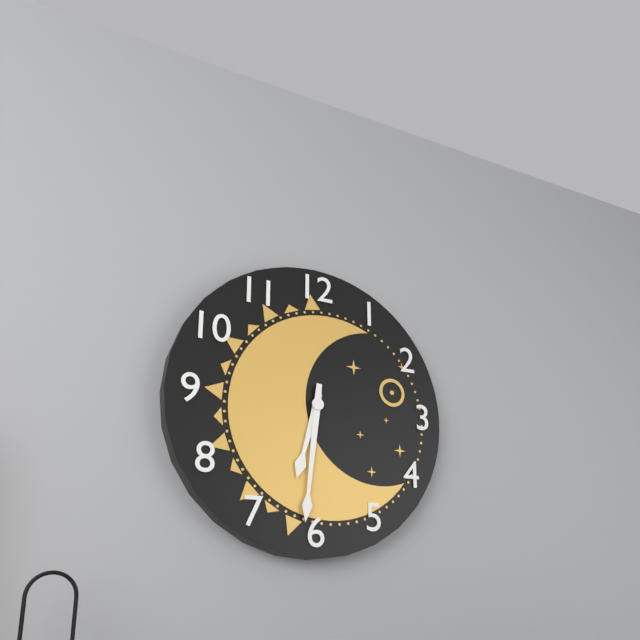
6:31
